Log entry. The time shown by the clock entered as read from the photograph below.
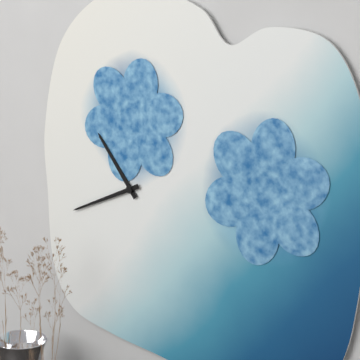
10:41
